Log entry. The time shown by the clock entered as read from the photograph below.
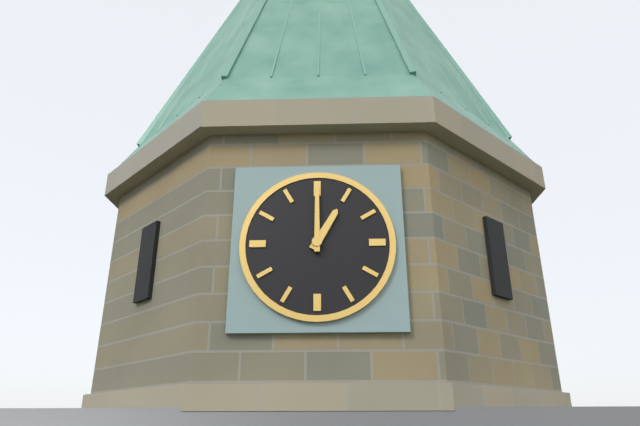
1:00
